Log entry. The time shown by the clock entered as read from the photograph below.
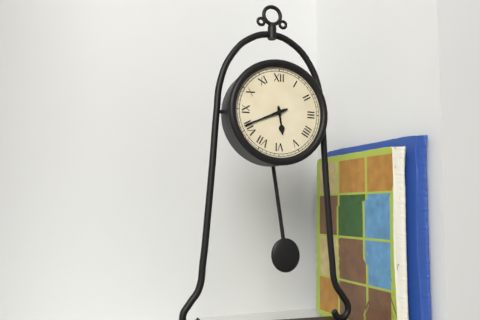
5:41
